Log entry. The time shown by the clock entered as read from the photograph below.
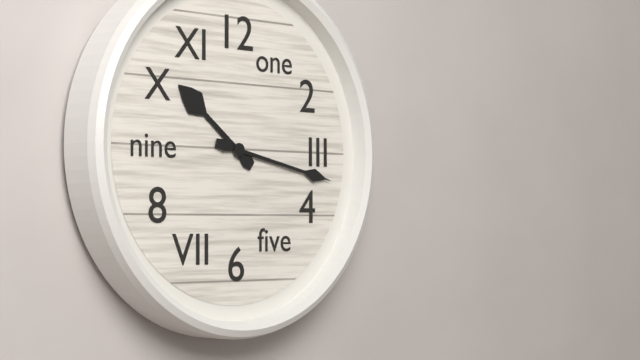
10:17
